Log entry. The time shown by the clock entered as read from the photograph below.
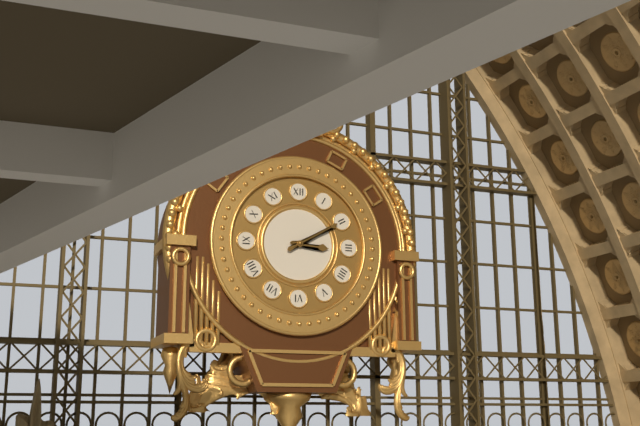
3:10
